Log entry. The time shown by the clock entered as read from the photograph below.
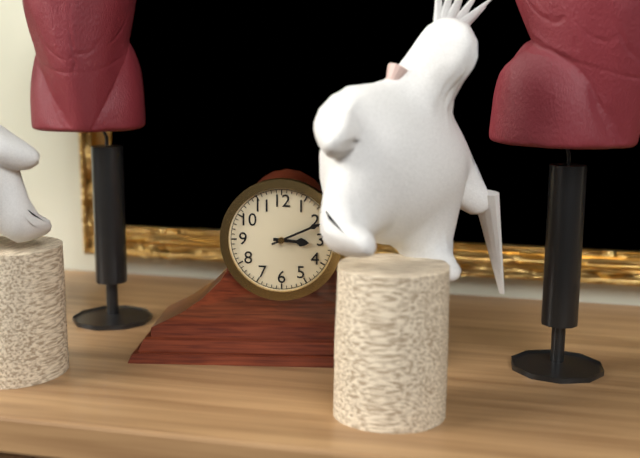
3:11
